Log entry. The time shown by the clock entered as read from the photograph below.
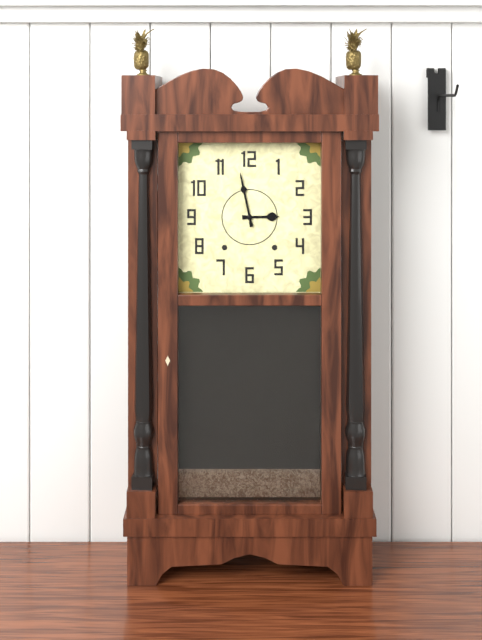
2:58
